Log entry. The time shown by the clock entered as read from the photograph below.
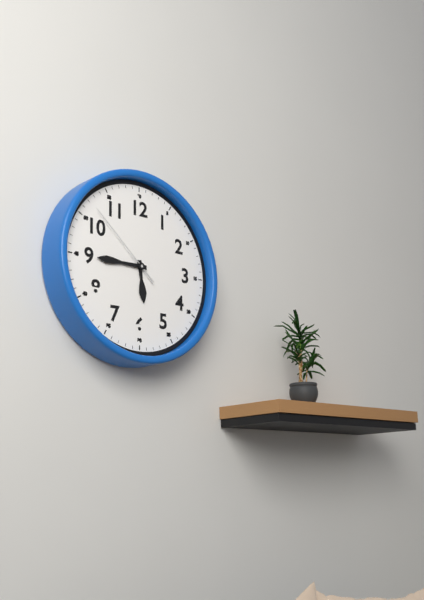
5:45:52
